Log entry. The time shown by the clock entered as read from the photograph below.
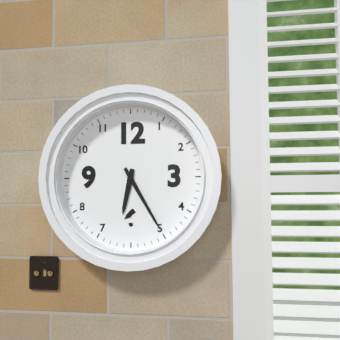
6:25
